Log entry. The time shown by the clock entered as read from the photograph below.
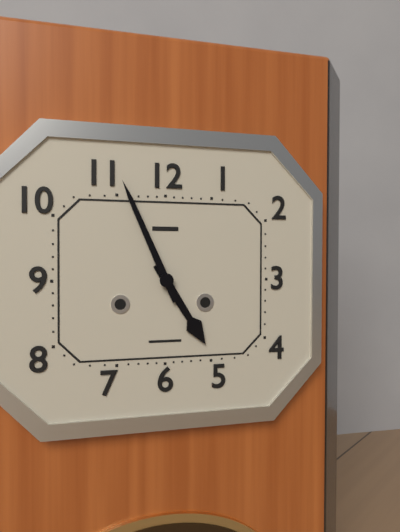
4:56
